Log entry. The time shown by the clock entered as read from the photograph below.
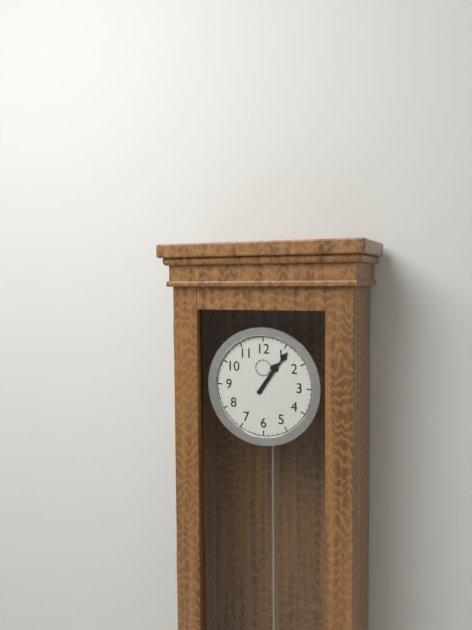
1:06
